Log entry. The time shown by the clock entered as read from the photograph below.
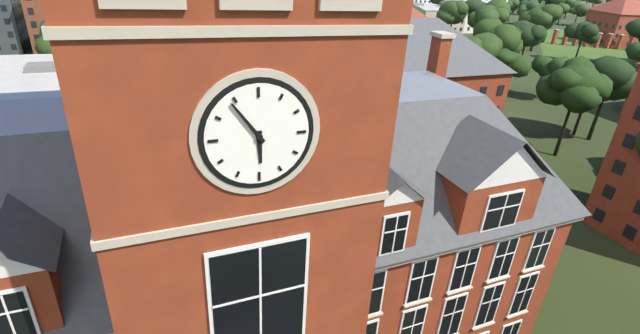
5:54
